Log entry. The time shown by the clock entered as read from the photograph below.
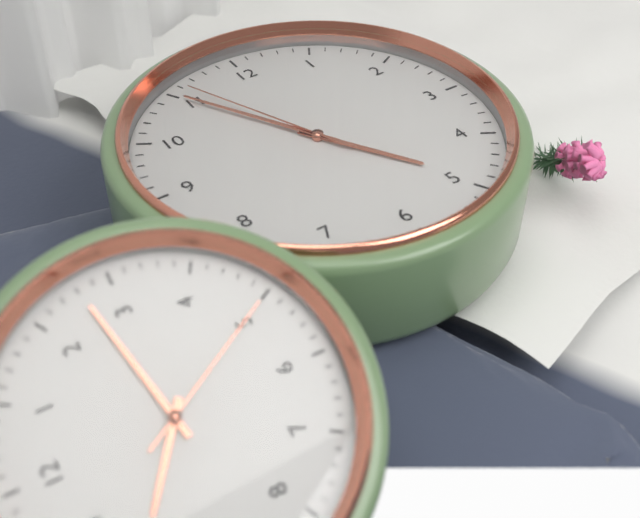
4:55:56
